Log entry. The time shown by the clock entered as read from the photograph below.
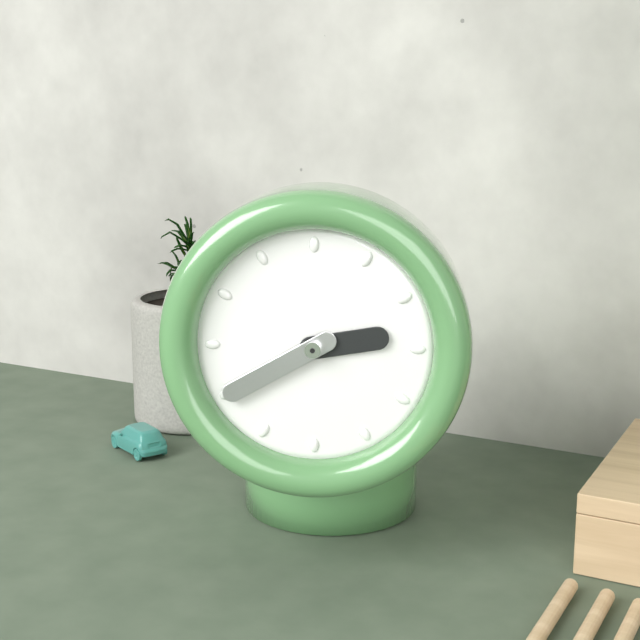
2:40
